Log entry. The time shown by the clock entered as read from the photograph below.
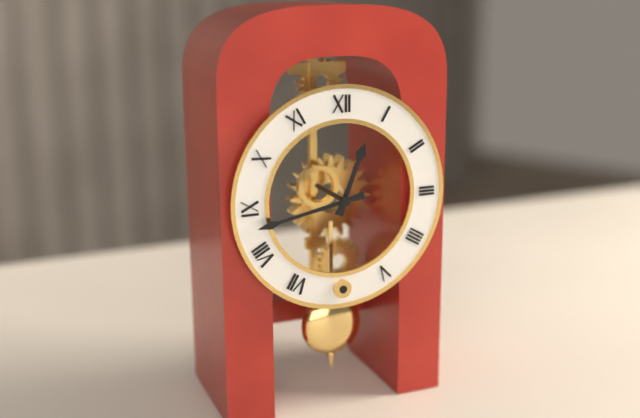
12:43
